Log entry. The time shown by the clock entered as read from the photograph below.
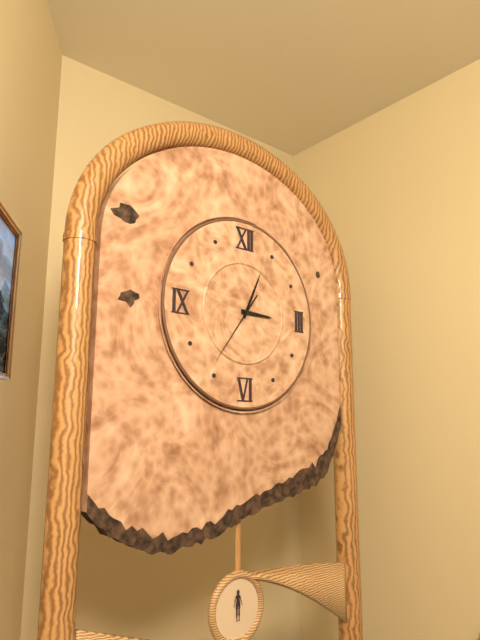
3:04:36
